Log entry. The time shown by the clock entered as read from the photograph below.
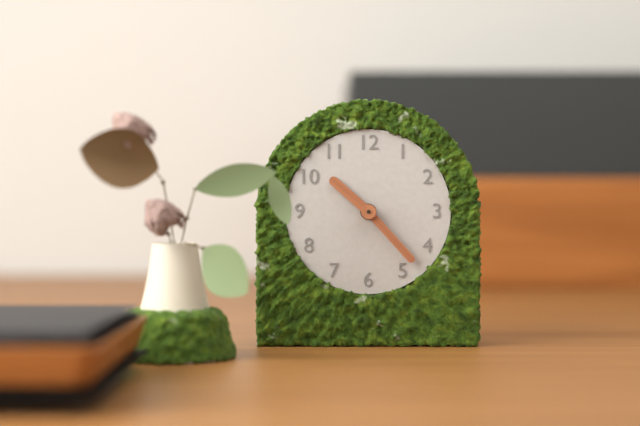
10:23
